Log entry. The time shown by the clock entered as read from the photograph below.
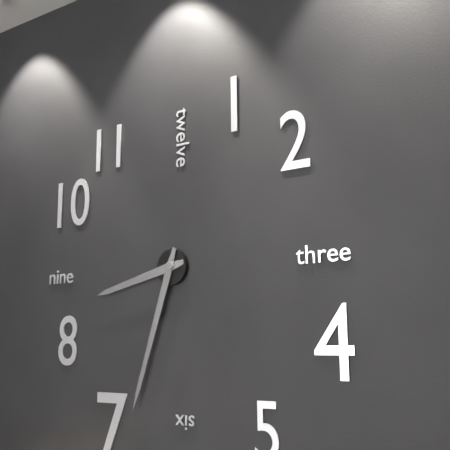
8:33
